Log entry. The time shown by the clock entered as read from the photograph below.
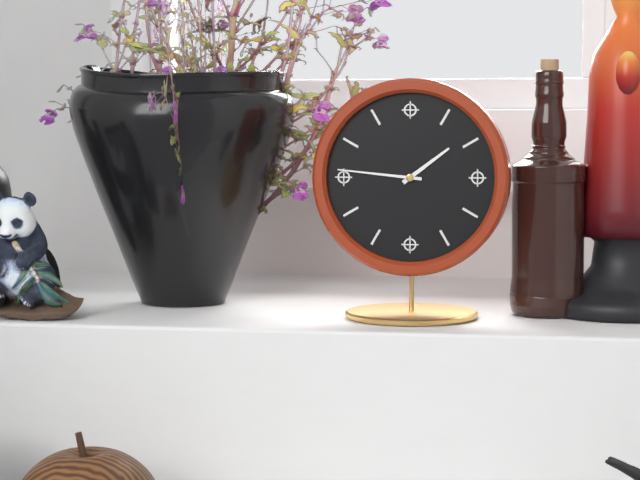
1:46
